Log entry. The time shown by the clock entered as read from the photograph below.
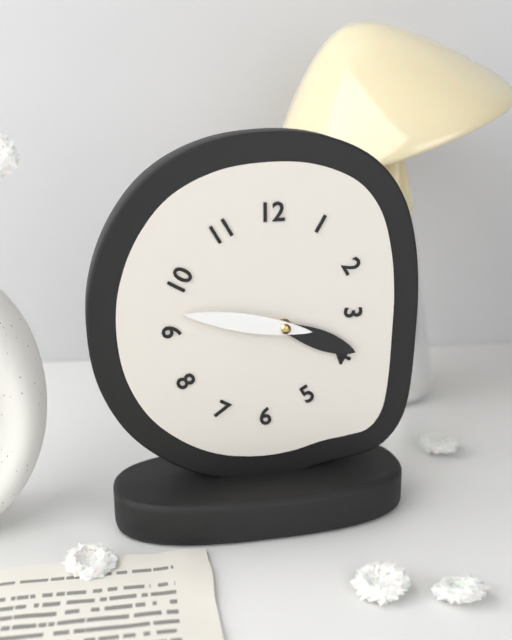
3:47
